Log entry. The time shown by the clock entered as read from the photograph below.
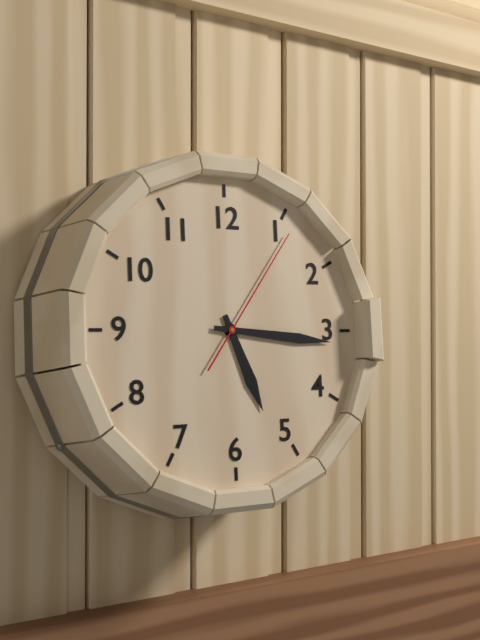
5:16:06
